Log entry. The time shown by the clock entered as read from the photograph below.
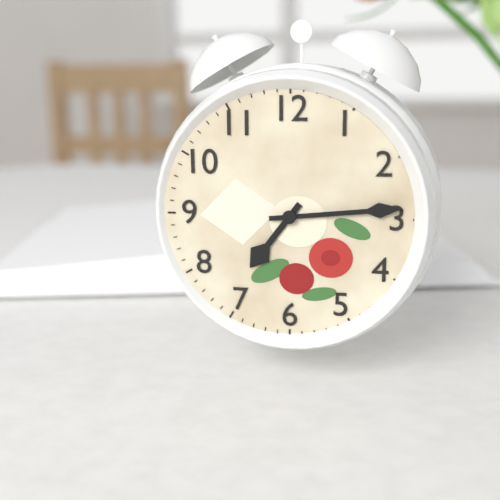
7:14
